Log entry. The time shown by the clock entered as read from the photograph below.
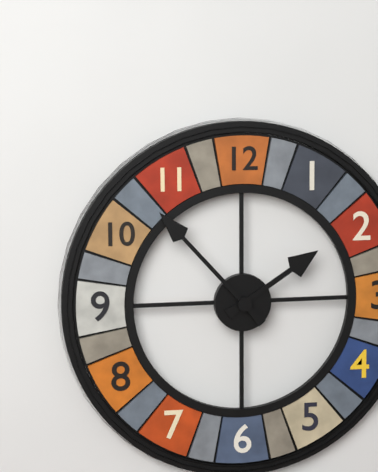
1:53
